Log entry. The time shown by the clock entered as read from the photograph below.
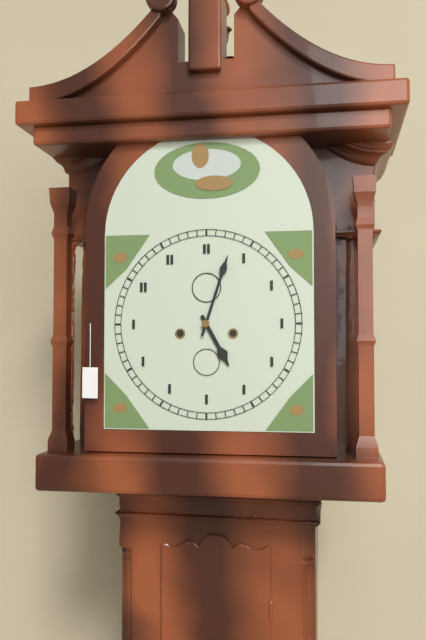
5:03
